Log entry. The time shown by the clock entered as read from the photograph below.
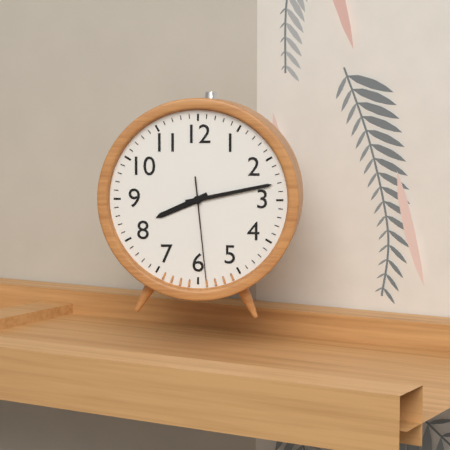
8:13:29
